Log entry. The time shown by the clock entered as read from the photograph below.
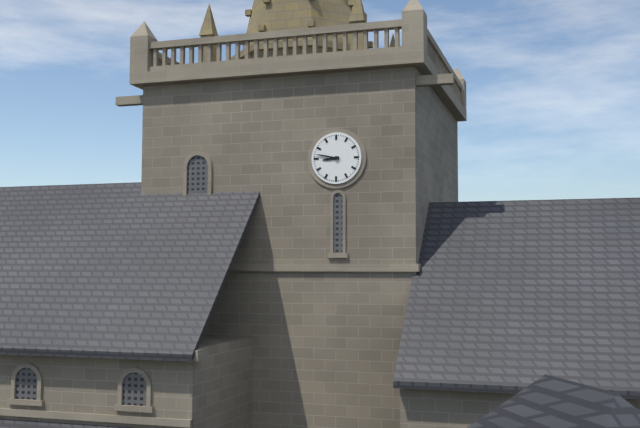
8:47
